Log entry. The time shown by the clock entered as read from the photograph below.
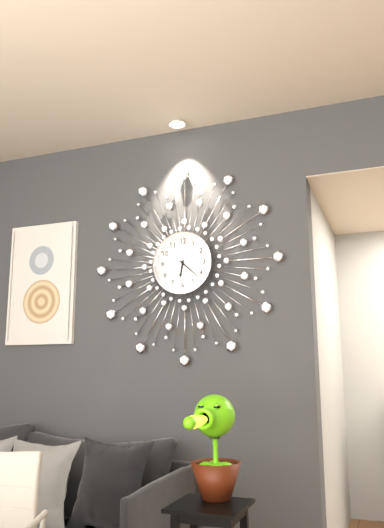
6:22
